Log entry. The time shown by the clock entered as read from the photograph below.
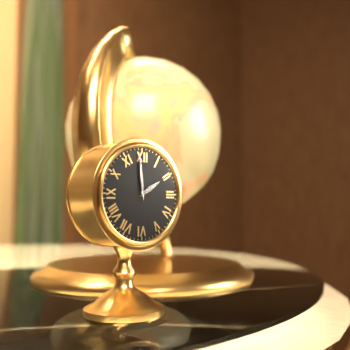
1:59
